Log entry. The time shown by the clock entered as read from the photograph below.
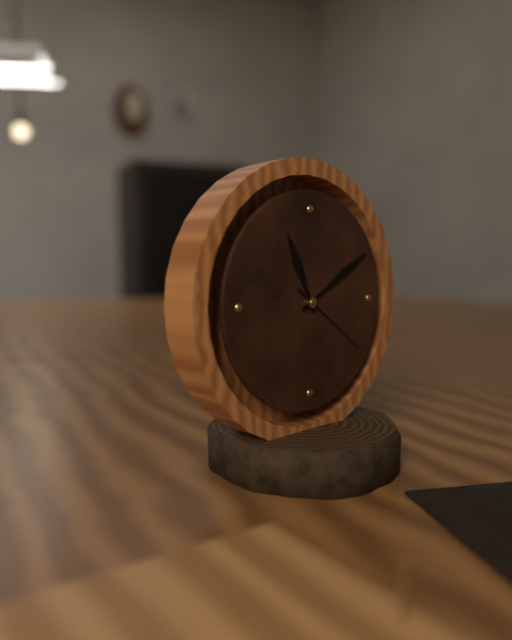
11:10:21
